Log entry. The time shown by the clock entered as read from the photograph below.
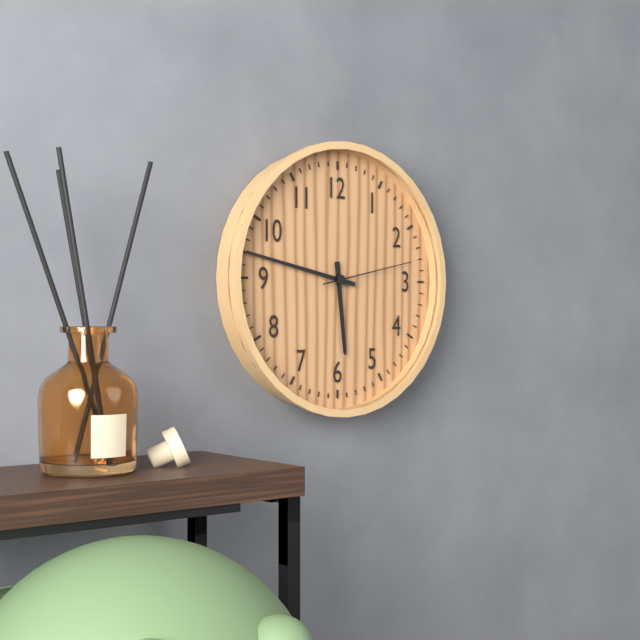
5:47:13
